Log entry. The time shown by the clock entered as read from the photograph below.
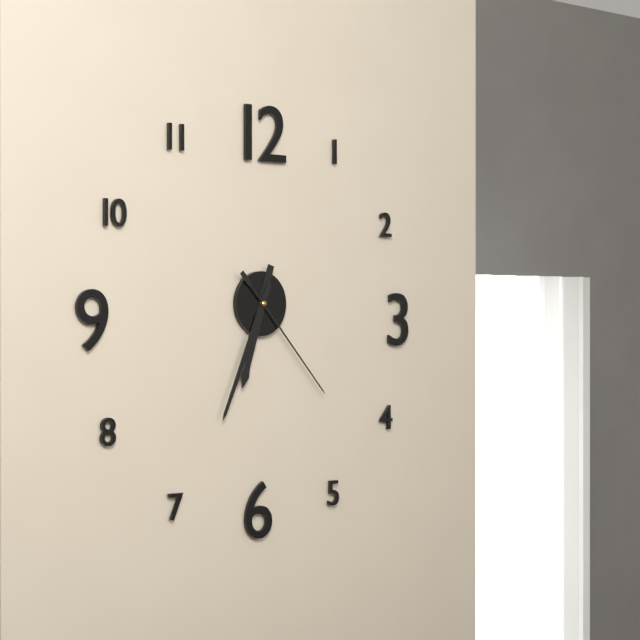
6:34:23
